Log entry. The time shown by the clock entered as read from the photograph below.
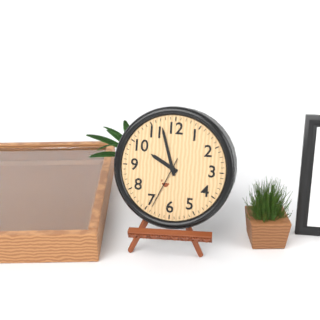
9:57:34
